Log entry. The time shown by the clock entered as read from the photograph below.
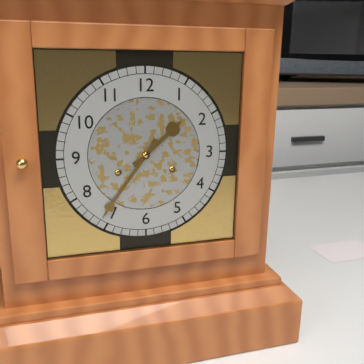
1:36
